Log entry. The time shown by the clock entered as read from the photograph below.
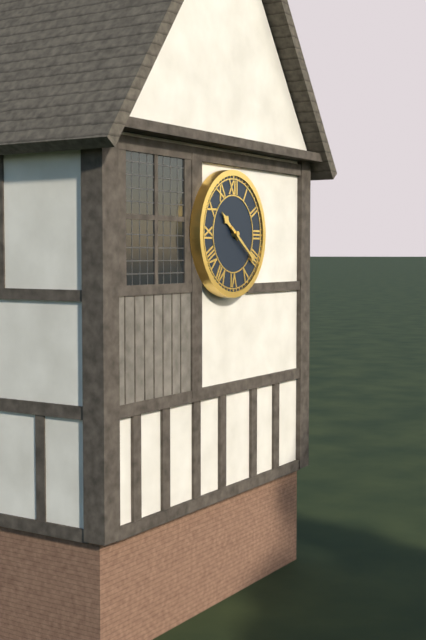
10:21
